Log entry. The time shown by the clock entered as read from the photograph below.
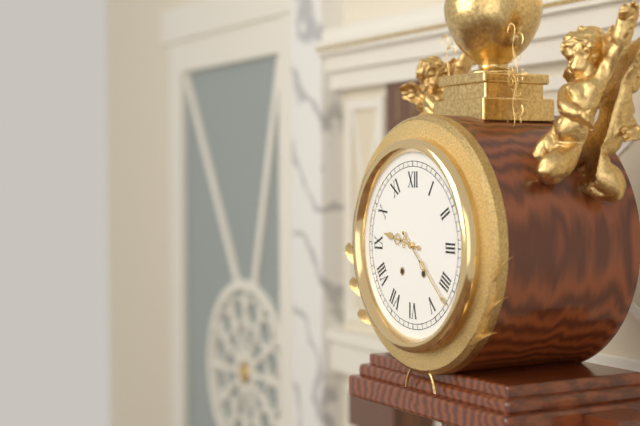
9:22
